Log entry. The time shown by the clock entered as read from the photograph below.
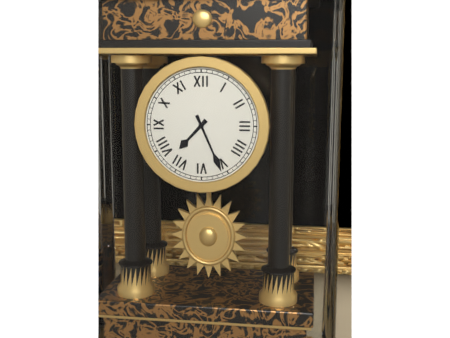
7:26
